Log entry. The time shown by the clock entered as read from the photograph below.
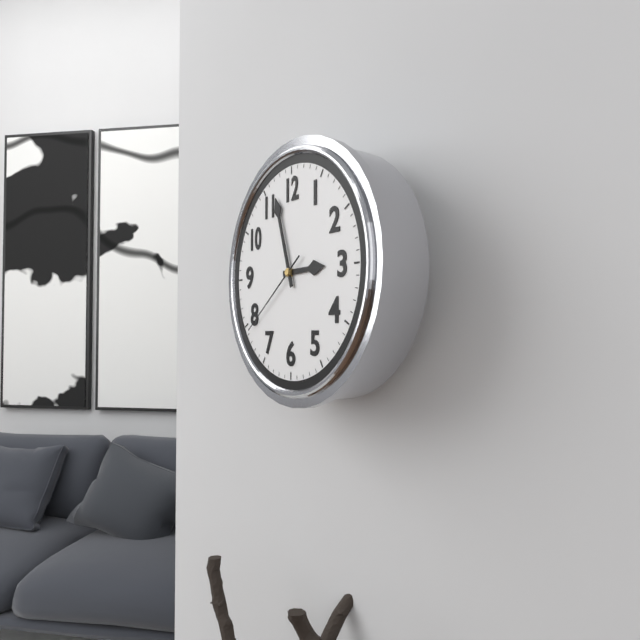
2:57:39
